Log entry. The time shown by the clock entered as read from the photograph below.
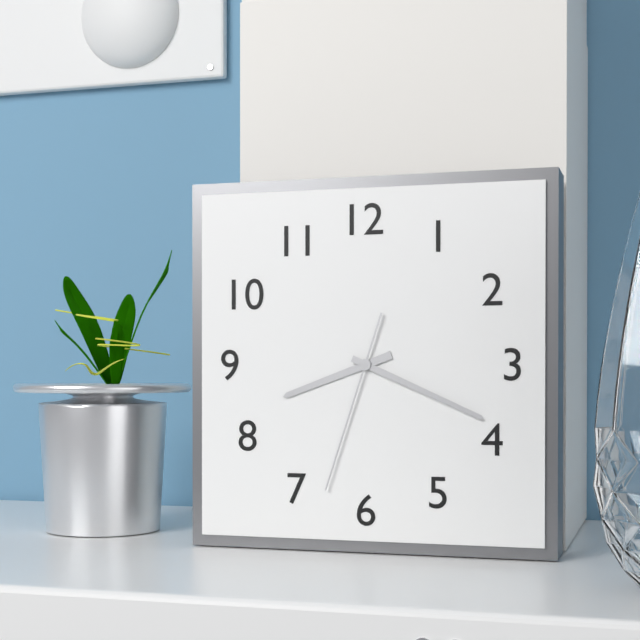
8:19:33
